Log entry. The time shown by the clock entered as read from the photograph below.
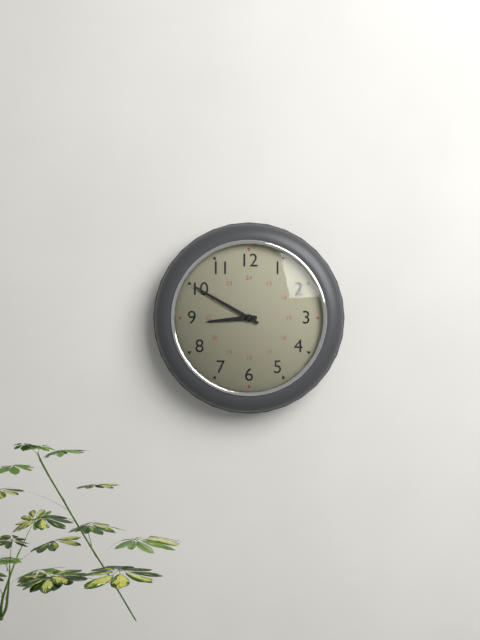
8:50
